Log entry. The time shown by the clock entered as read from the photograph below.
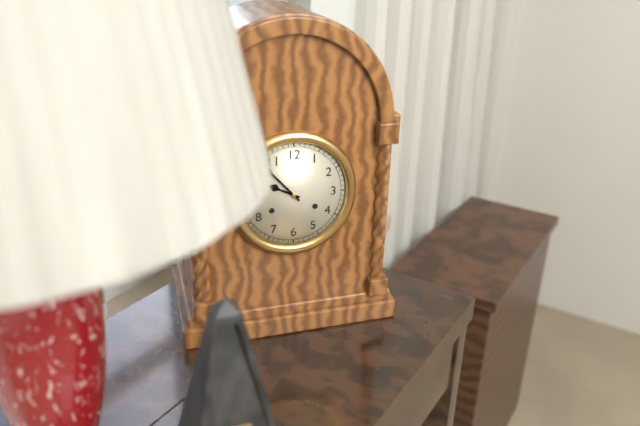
9:53
